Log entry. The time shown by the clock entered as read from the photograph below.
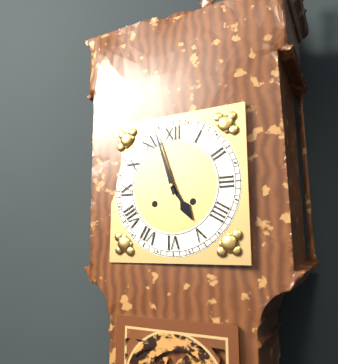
4:57
